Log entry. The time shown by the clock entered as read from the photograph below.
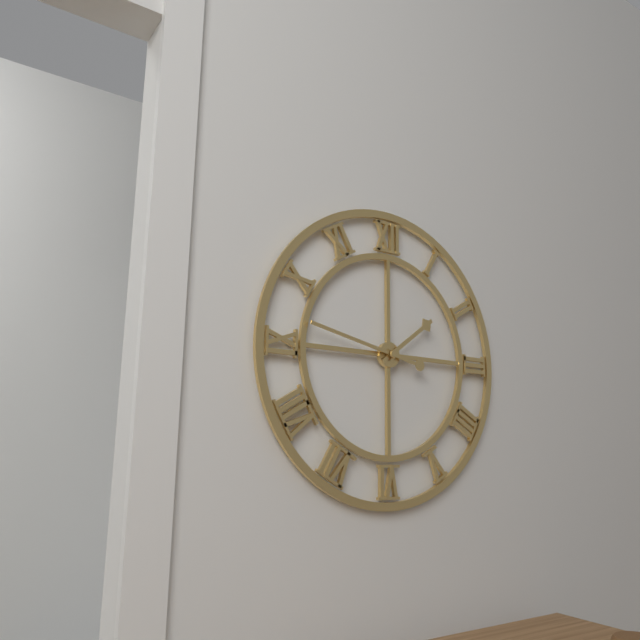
1:47
